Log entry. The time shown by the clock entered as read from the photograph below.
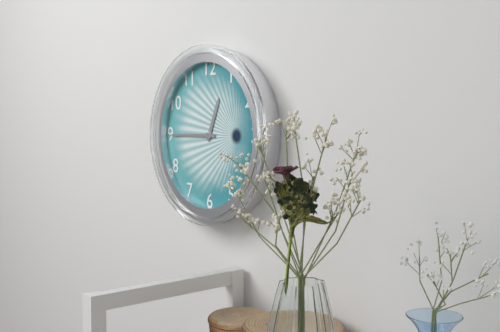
12:45
